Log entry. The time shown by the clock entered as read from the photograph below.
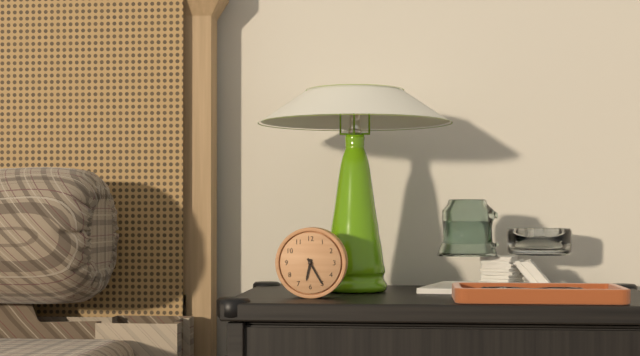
6:25
